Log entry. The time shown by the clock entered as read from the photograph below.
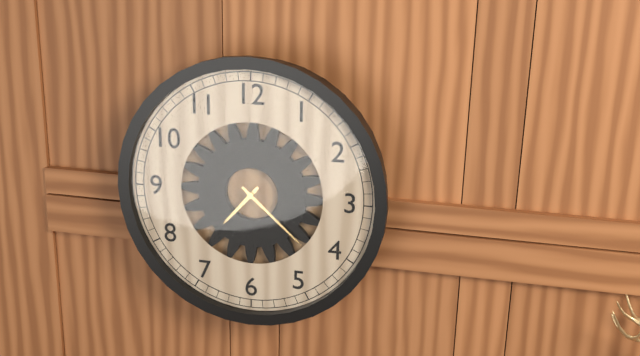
7:22
